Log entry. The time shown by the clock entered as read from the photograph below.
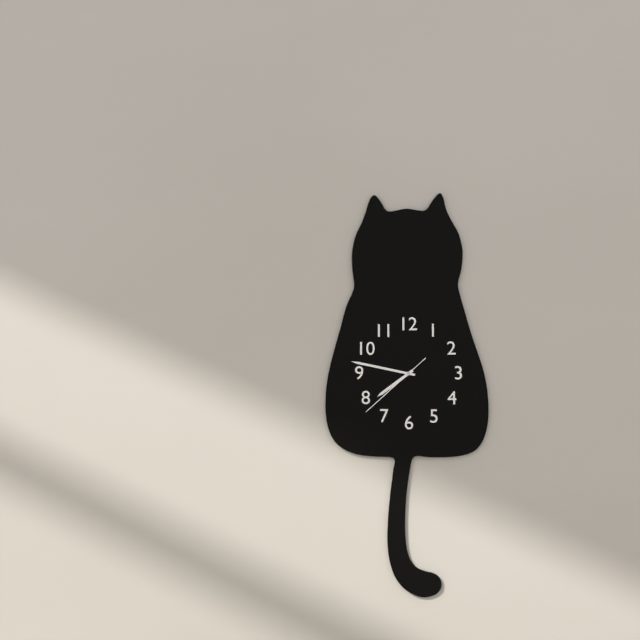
7:47:38
